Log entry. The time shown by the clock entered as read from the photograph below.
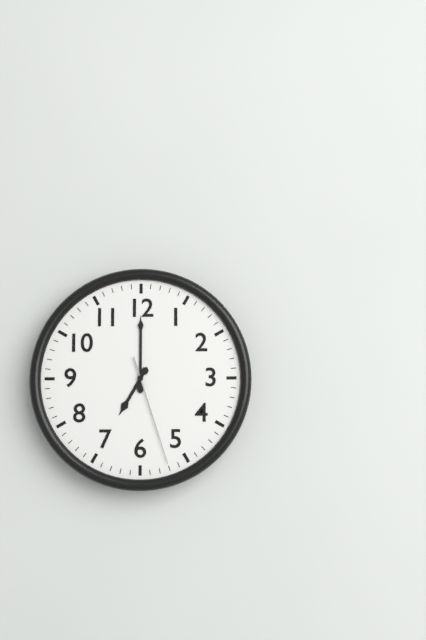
7:00:27
